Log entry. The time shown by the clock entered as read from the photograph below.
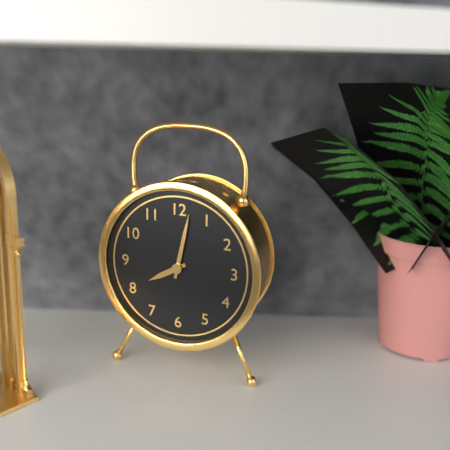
8:02
